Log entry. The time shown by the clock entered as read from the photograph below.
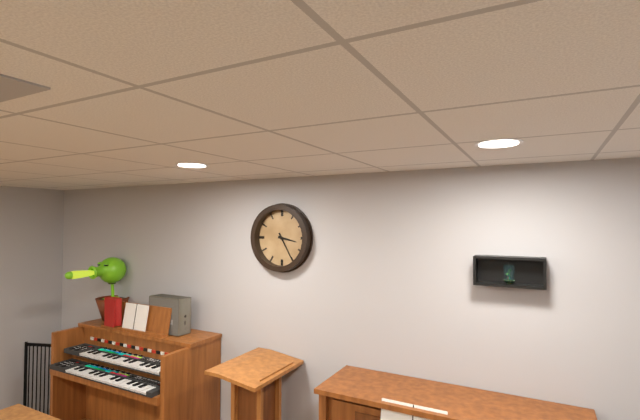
3:25
